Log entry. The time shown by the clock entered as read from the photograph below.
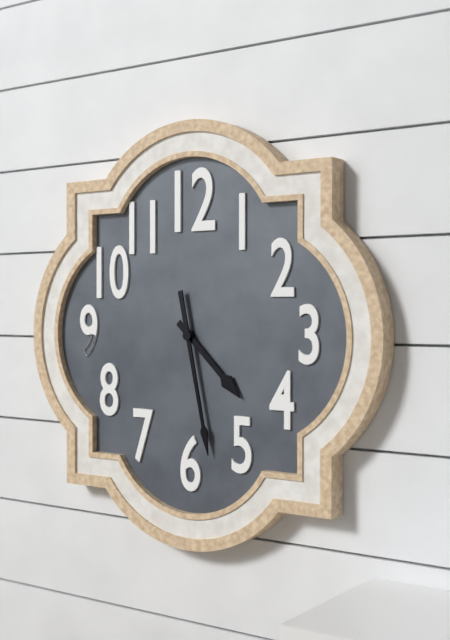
4:28
